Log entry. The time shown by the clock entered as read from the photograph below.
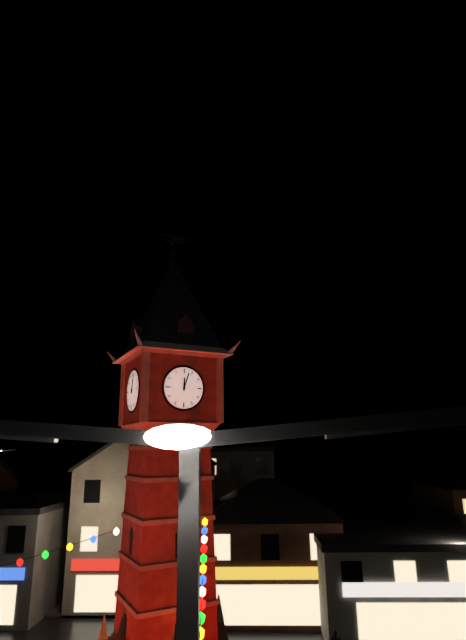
12:03
